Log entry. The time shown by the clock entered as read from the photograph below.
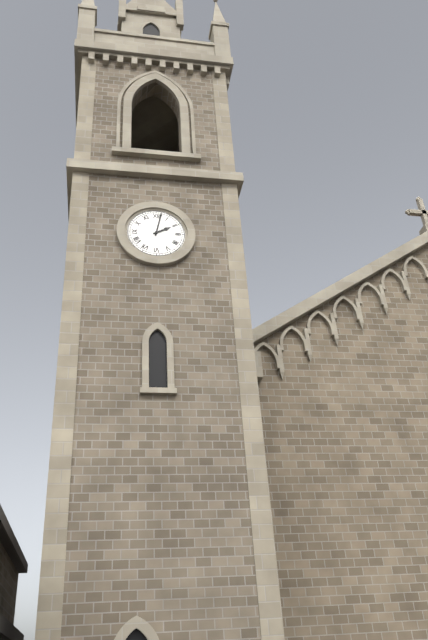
2:02
